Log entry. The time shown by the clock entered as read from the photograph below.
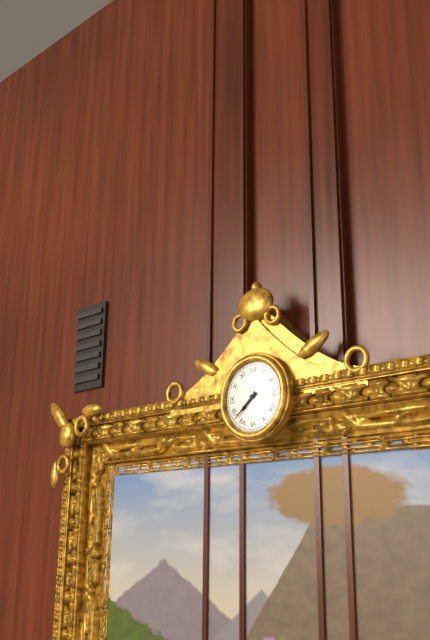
7:38
